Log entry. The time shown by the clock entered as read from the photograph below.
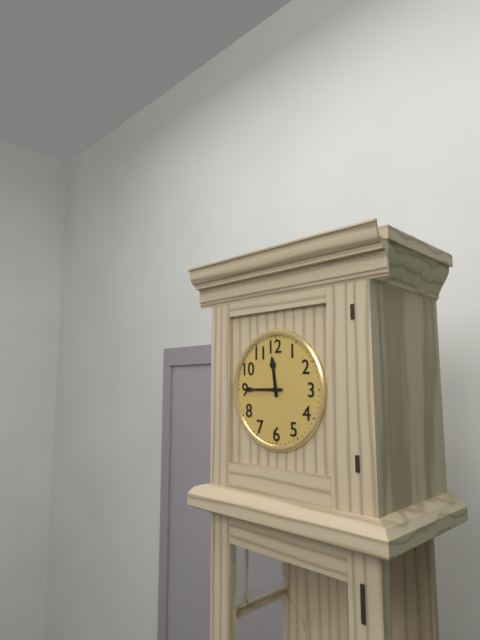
11:45
